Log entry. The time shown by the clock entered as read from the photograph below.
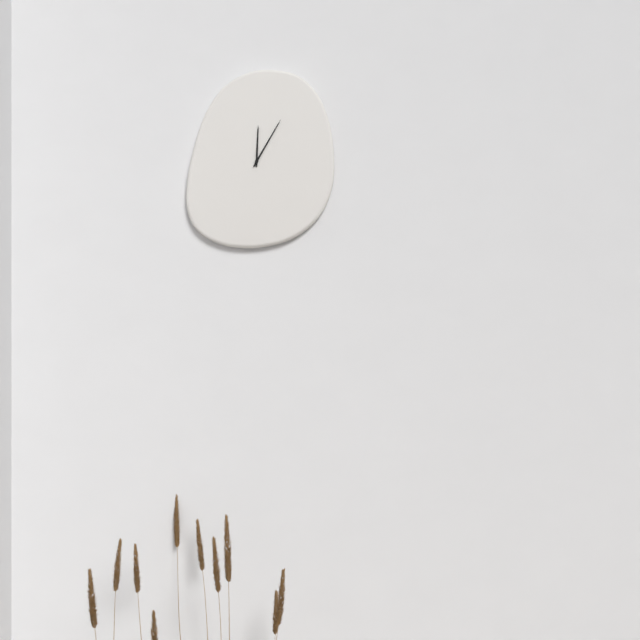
12:05
